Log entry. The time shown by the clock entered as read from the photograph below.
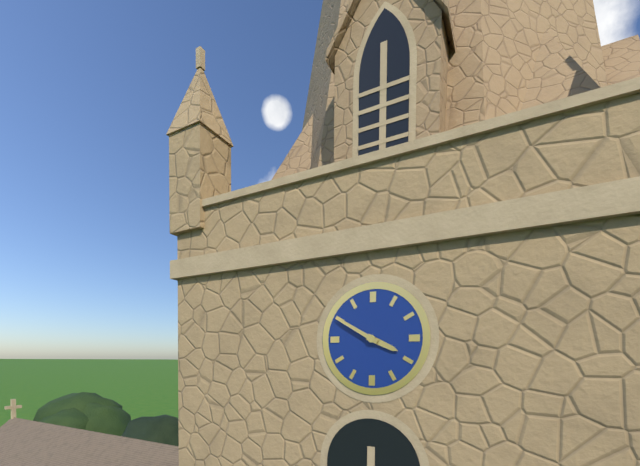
3:50
